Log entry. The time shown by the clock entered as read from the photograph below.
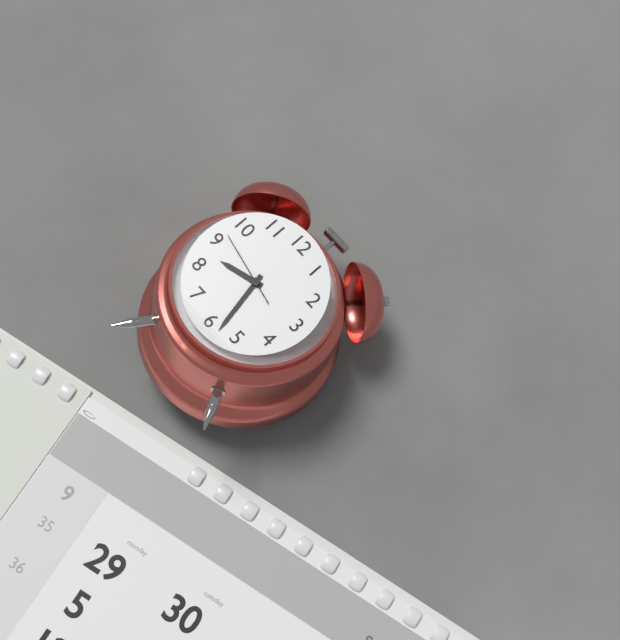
8:28:47
